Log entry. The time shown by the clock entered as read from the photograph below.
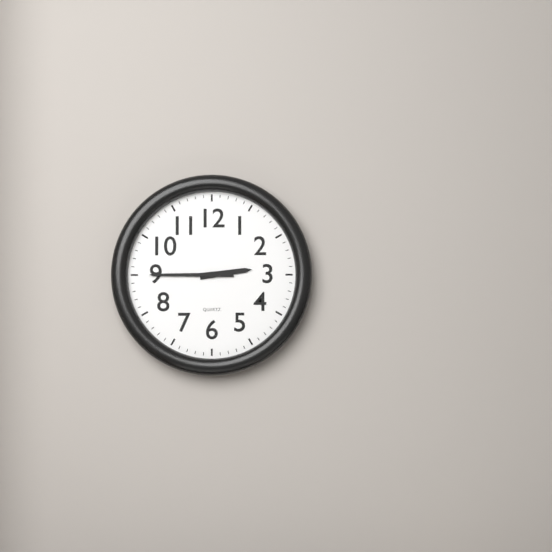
2:45
